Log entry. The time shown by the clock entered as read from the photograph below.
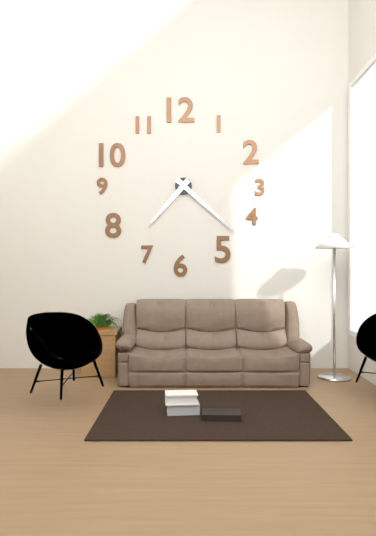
7:22
